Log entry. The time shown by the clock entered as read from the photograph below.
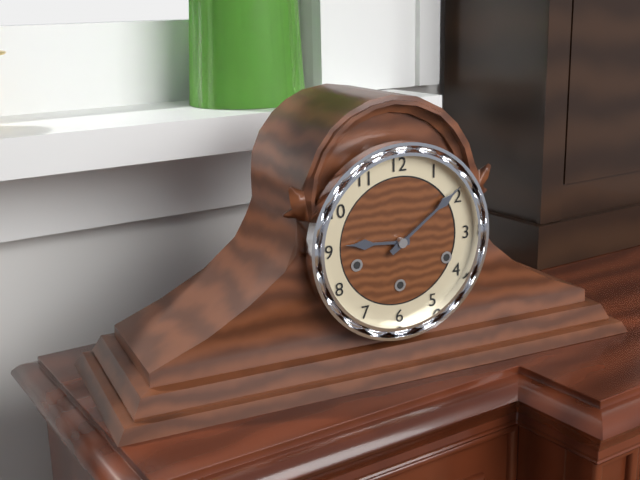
9:09
